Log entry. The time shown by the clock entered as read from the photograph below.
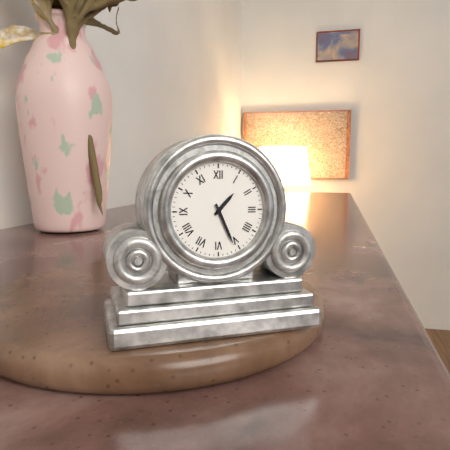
1:26
